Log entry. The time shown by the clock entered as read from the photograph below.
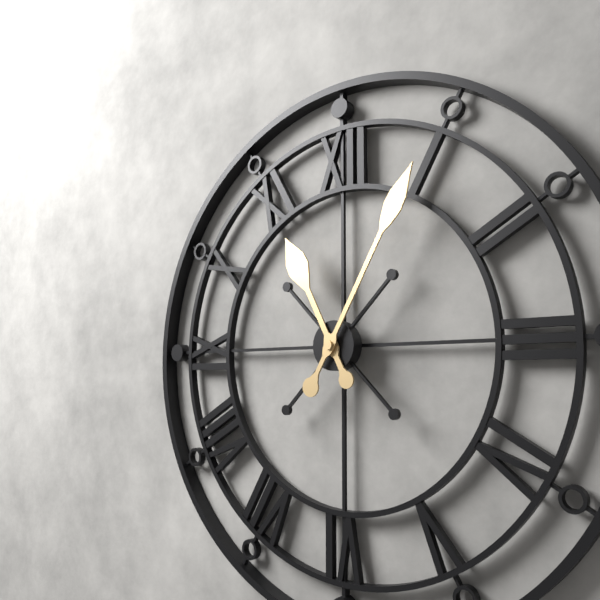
11:05
